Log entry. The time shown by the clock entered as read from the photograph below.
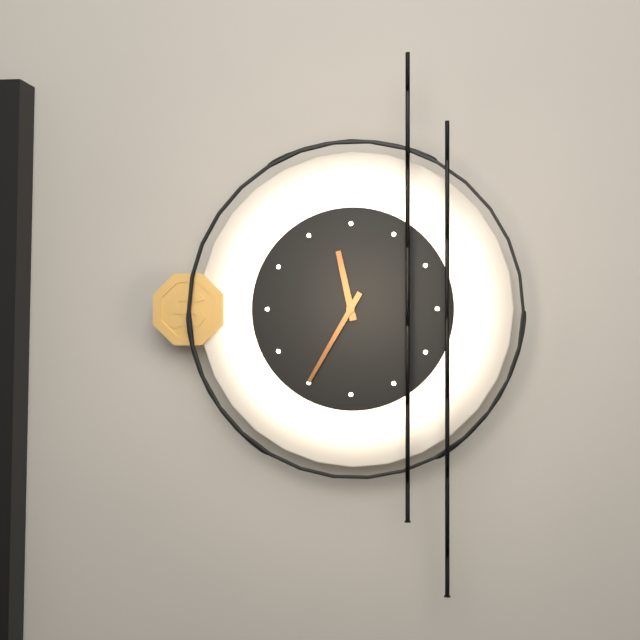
11:35
